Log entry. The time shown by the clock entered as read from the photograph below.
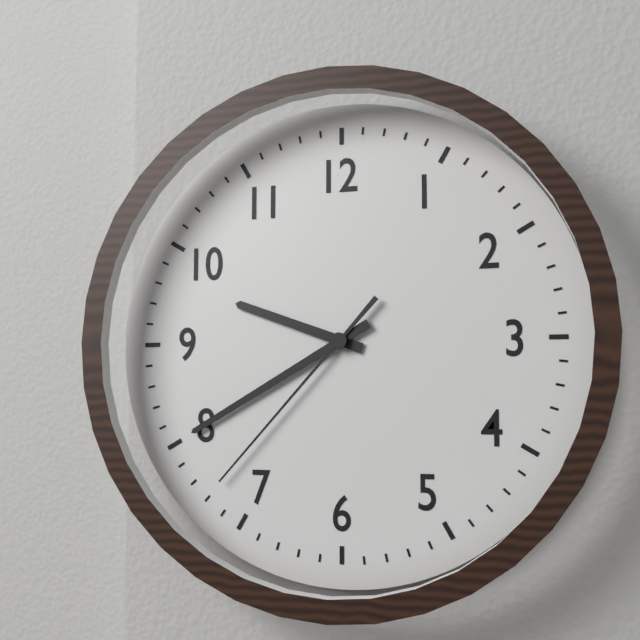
9:40:37
